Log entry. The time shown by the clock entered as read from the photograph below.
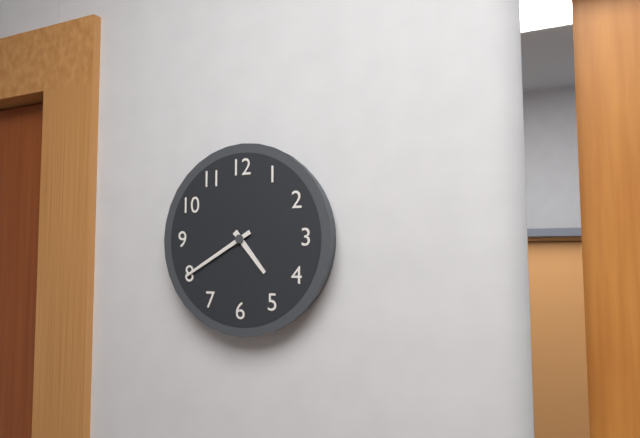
4:40
